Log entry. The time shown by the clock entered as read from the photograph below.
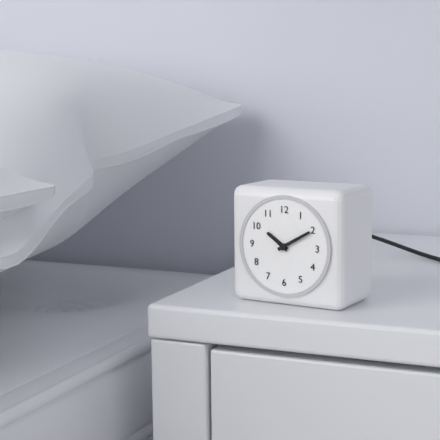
10:10
